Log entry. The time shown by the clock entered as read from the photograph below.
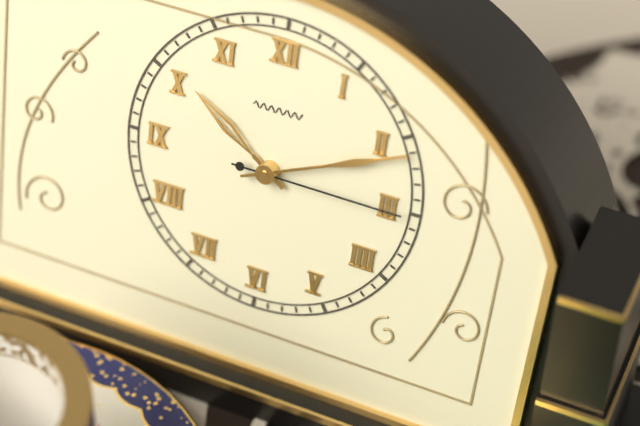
10:11:15
